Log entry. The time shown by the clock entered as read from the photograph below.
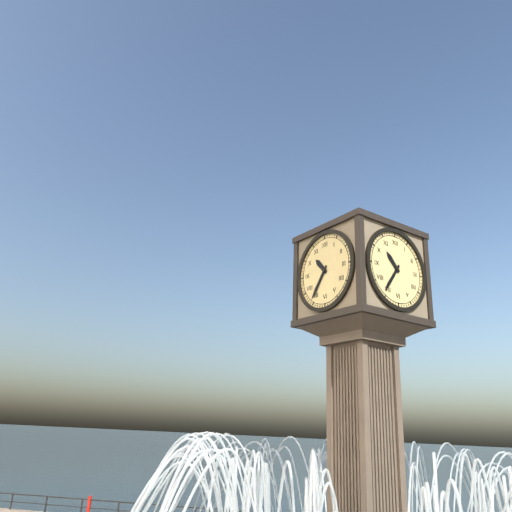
10:36
